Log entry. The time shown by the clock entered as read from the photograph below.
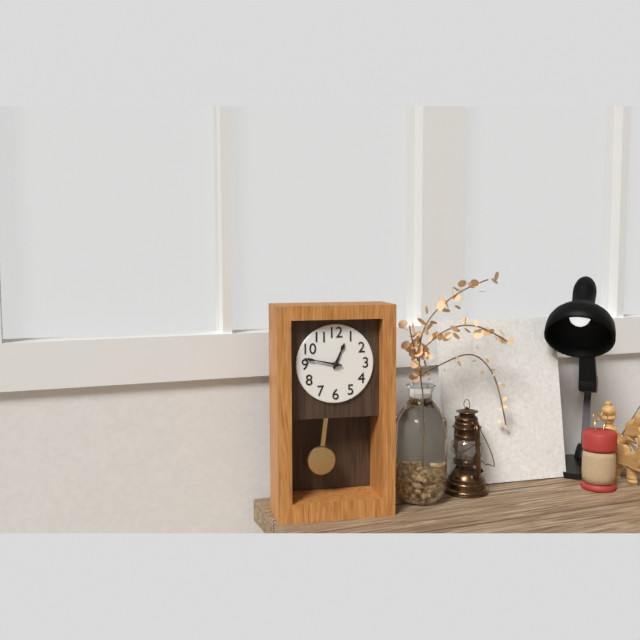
12:47
